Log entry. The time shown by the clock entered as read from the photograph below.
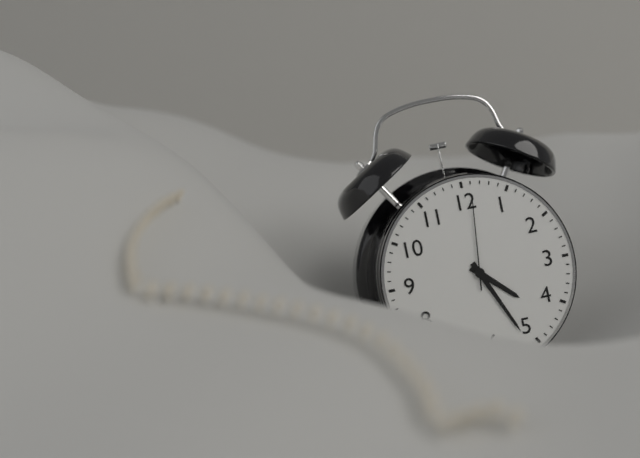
4:26:01
